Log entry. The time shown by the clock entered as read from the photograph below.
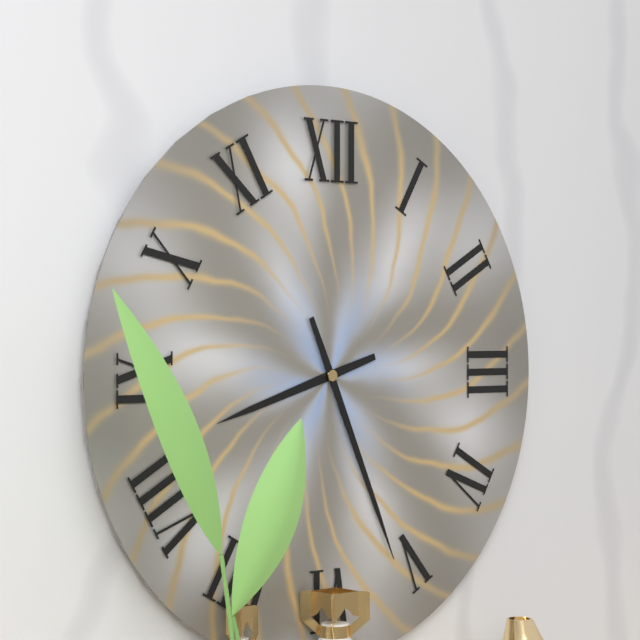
8:26
